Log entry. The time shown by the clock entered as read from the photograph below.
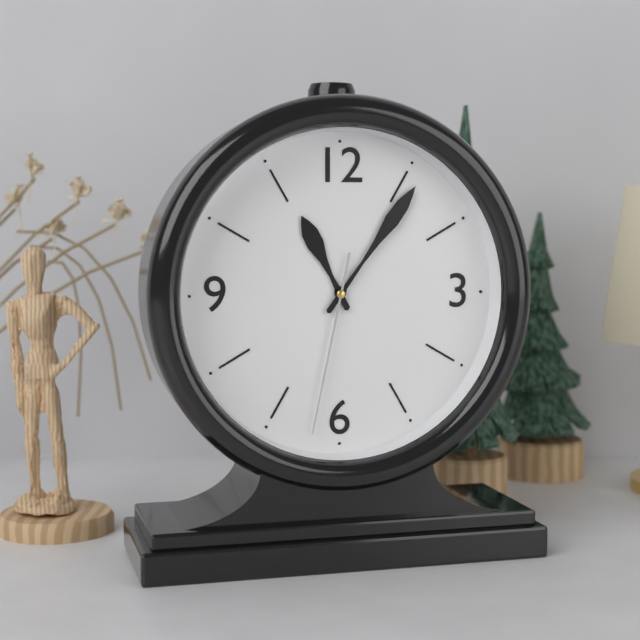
11:06:32
